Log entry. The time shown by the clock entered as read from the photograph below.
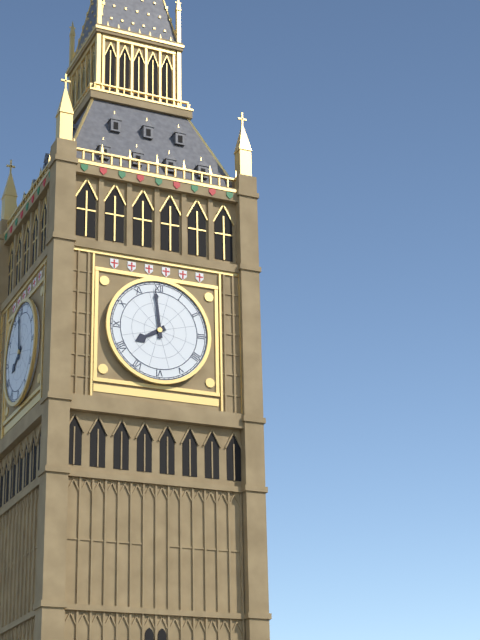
7:59
